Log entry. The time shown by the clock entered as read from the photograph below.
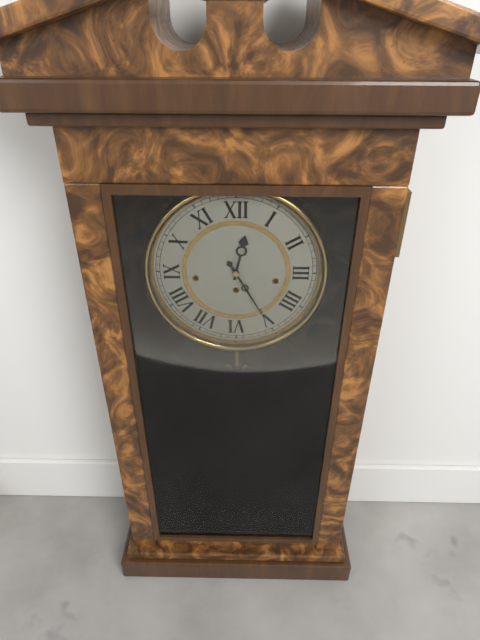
12:25
